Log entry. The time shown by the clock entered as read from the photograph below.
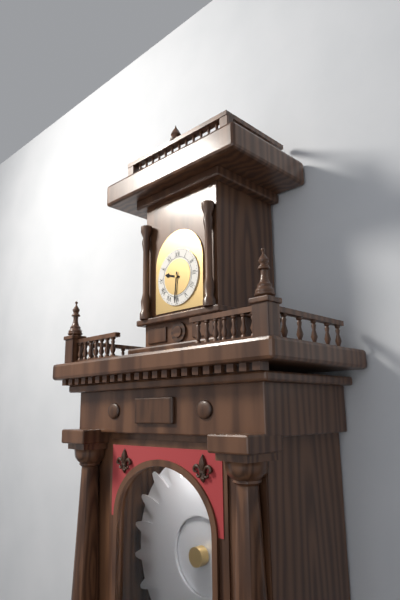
9:31
